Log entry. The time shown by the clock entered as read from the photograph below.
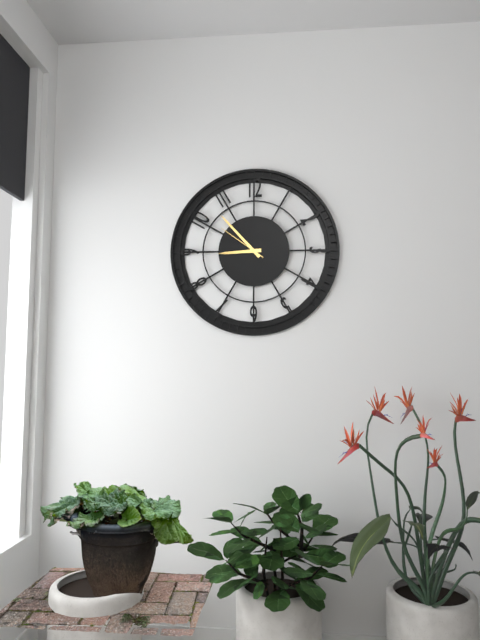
8:53:51
